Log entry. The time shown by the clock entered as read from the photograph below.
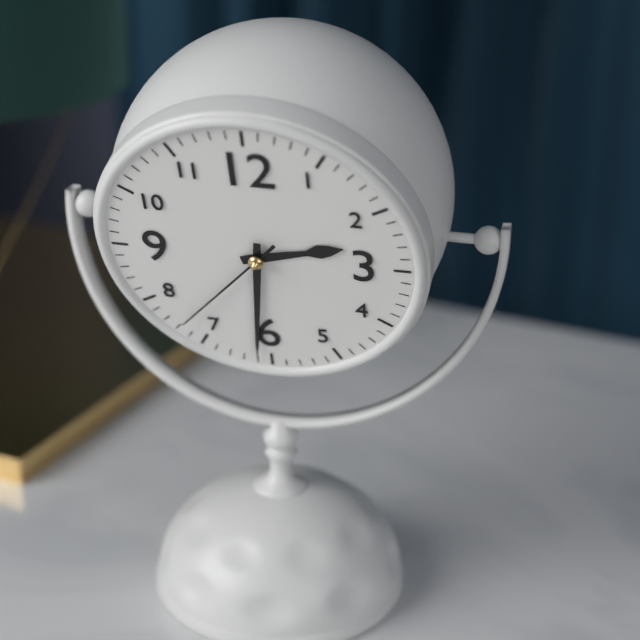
2:31:37
